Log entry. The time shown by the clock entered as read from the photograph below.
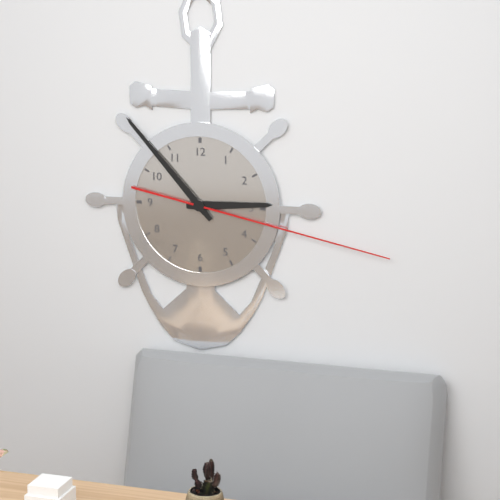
2:53:17
